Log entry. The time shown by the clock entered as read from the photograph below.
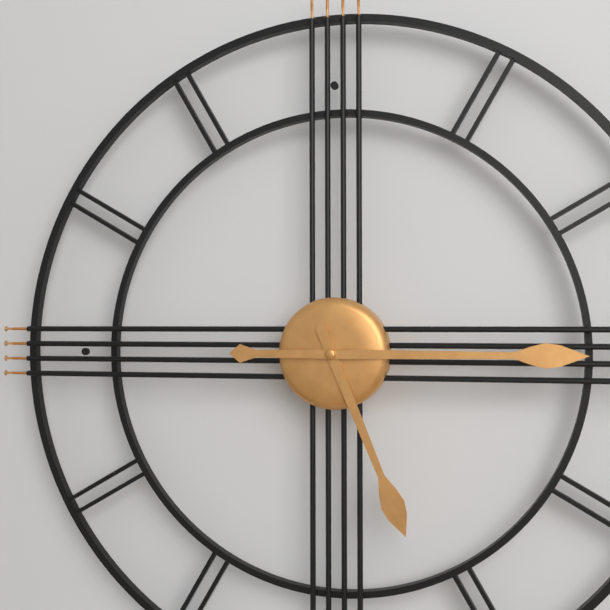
5:15
